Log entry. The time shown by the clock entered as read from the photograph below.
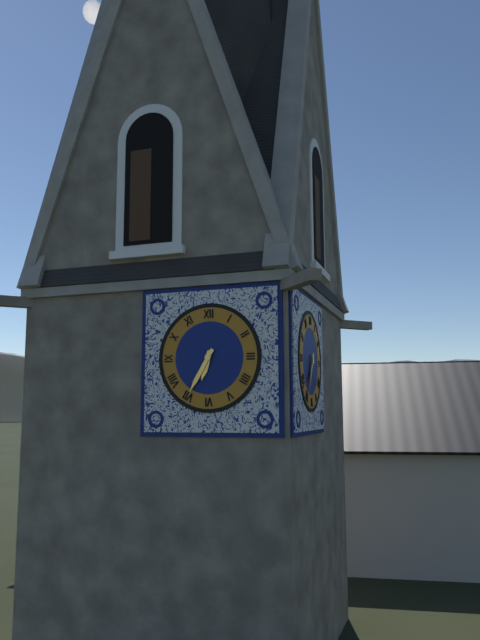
6:35
